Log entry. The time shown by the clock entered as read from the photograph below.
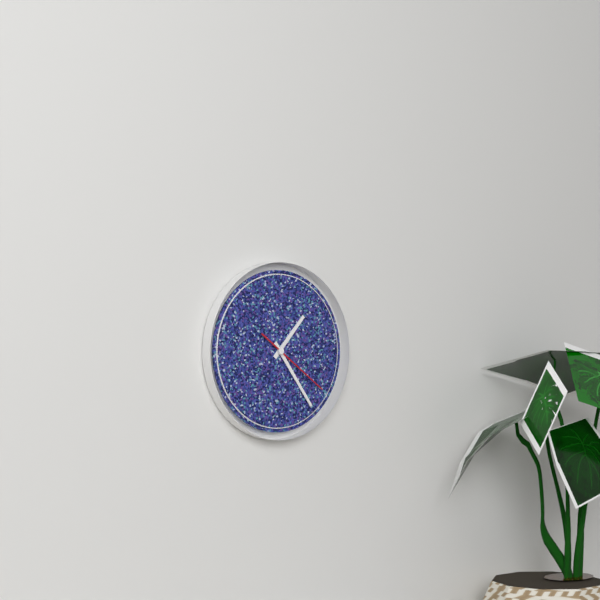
1:24:21
